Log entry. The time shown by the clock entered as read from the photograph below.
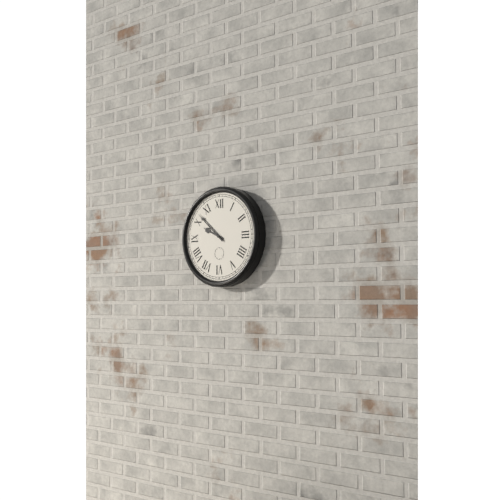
9:52
